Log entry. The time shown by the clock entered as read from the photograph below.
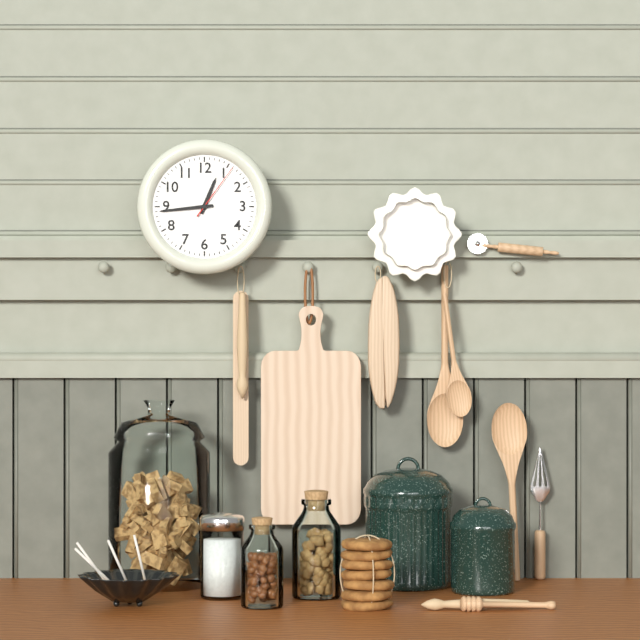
12:44:06
